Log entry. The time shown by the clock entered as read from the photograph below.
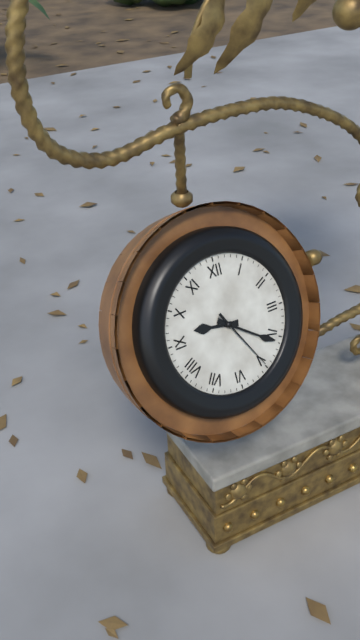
9:21:25
